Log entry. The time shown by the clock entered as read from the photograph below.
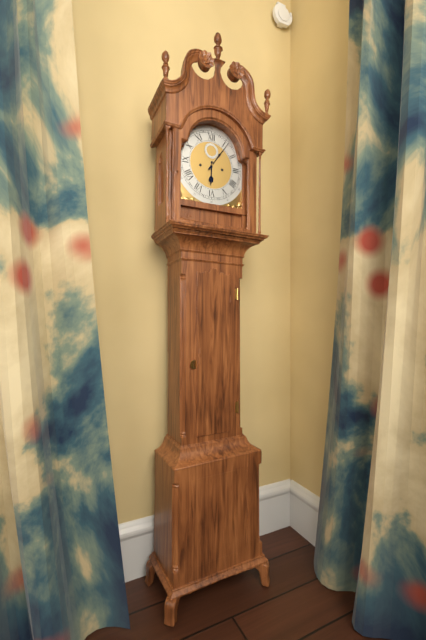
6:06
